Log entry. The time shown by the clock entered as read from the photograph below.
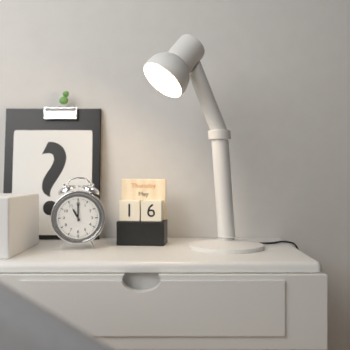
11:00
